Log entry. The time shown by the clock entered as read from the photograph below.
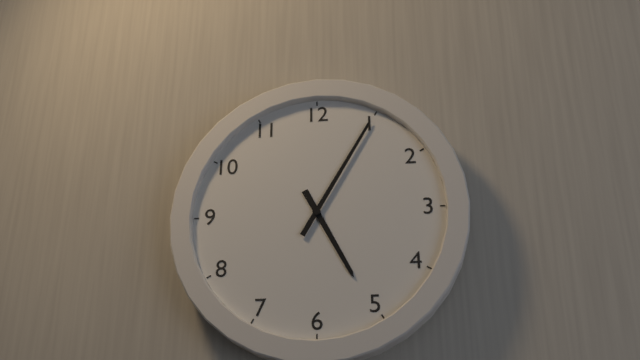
5:05
